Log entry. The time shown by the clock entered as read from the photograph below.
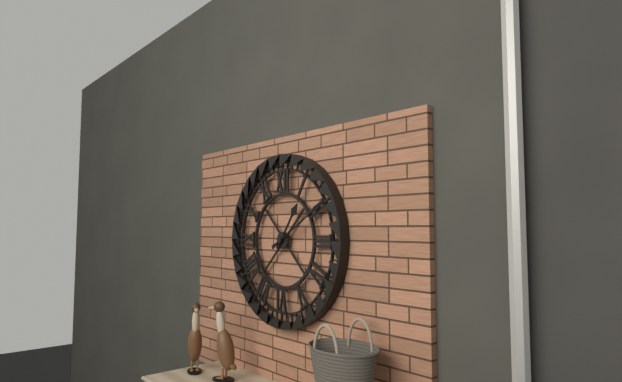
1:10
